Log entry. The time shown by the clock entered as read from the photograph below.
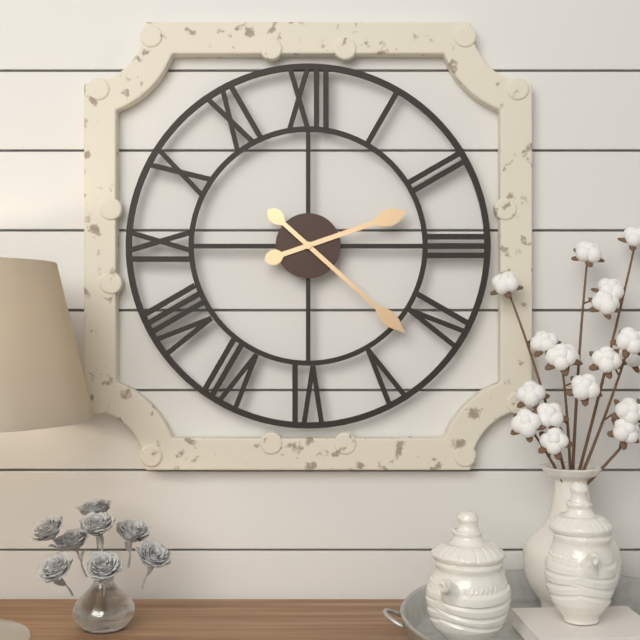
2:22
